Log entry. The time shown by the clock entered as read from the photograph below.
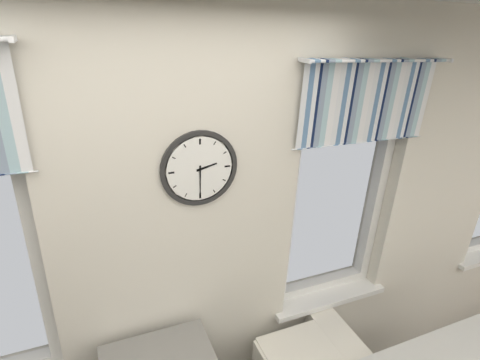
2:30
